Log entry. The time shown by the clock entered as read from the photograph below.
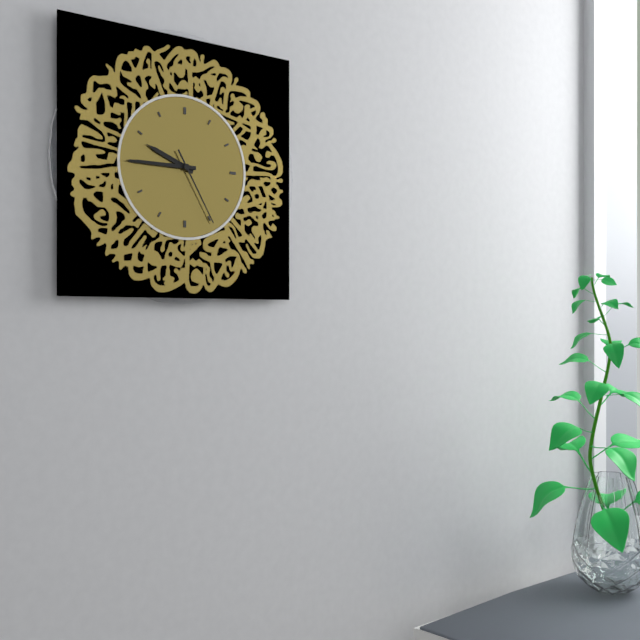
9:45:25
